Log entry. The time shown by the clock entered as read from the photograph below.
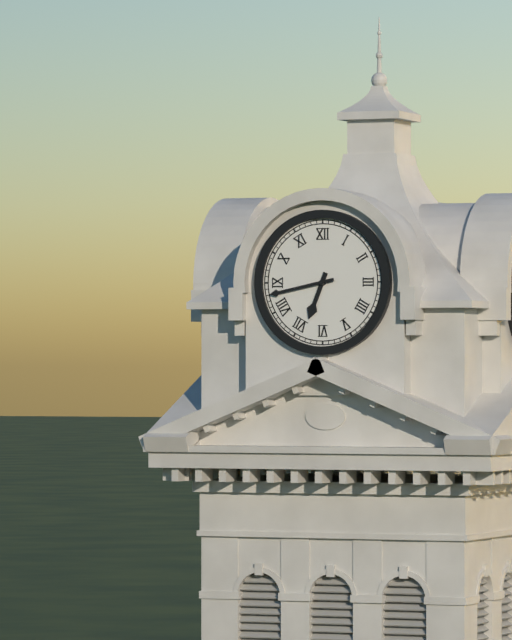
6:43
